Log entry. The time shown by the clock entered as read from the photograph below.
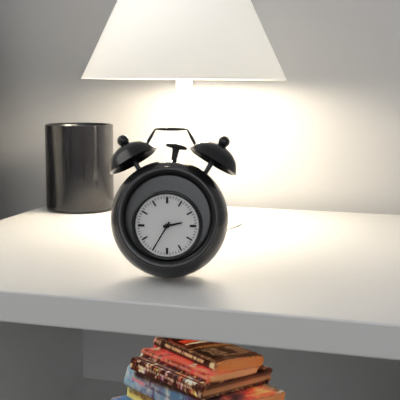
2:35
